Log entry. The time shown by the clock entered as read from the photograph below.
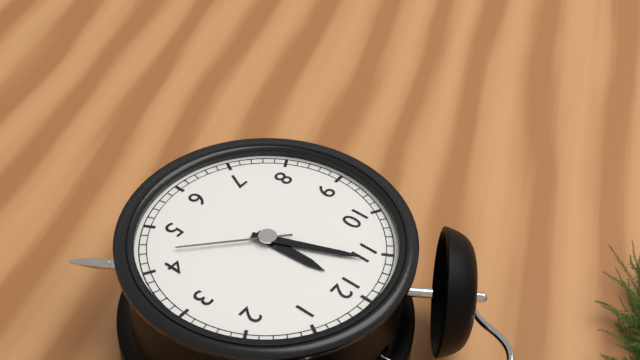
11:56:22
